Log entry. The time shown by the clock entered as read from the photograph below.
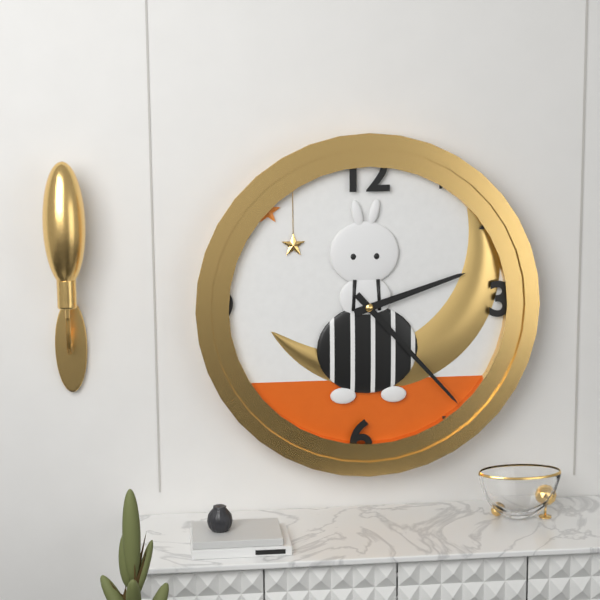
2:23
